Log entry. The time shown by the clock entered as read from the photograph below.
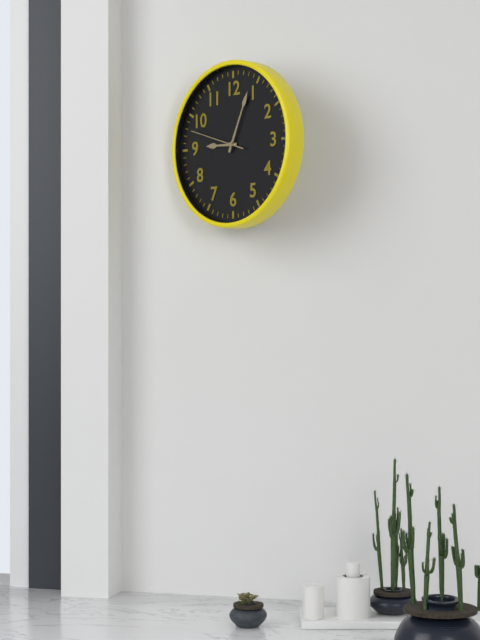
9:04:48
